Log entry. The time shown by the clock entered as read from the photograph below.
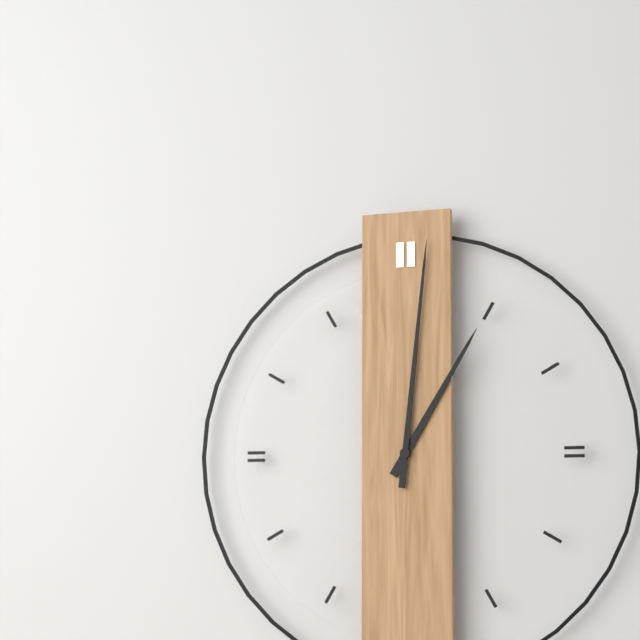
1:01
